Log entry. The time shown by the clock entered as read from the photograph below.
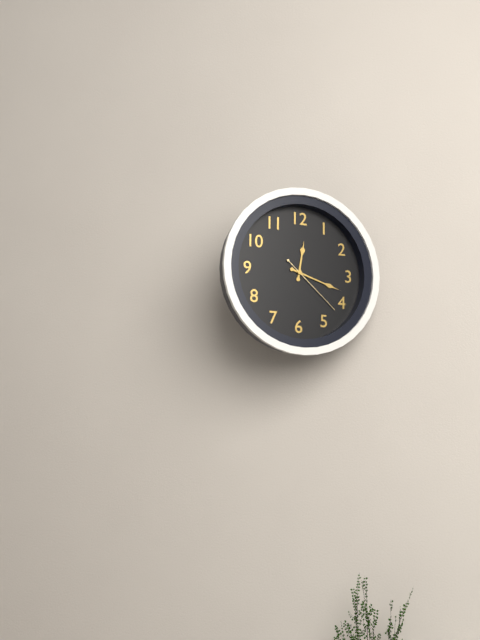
12:18:22
